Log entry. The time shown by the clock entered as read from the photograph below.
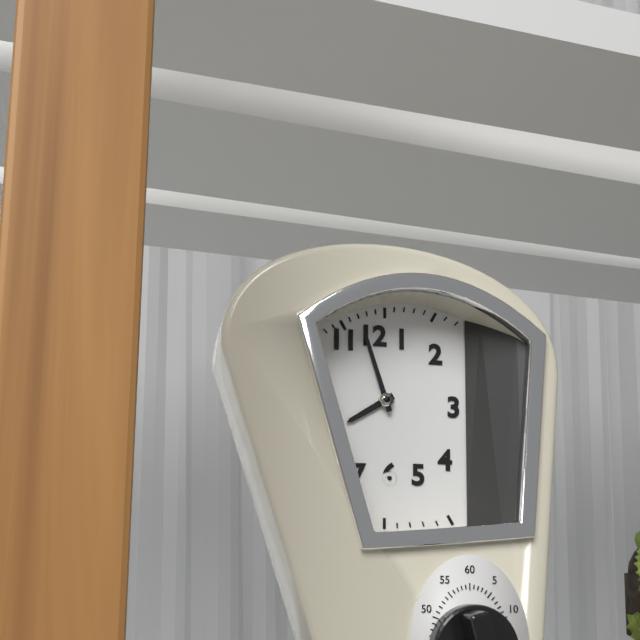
7:57
